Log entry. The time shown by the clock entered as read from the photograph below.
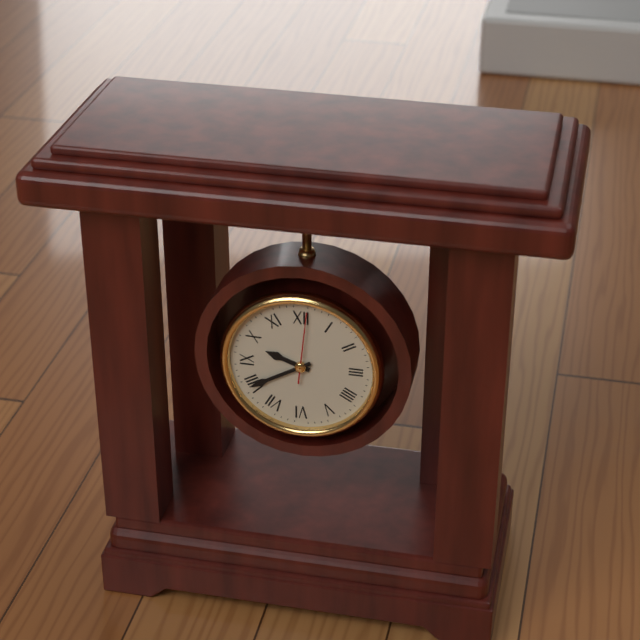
9:40
